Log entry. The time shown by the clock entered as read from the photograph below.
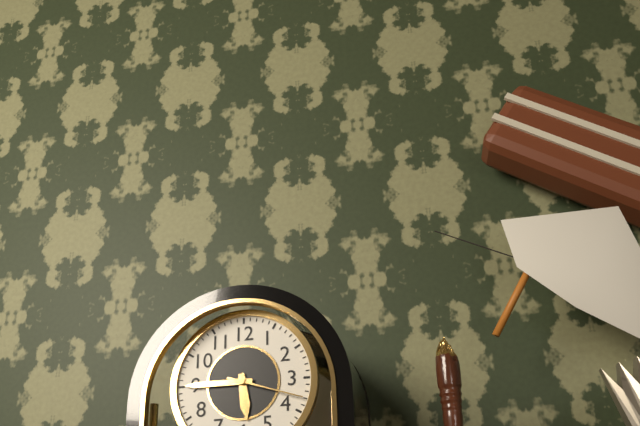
5:45:18
